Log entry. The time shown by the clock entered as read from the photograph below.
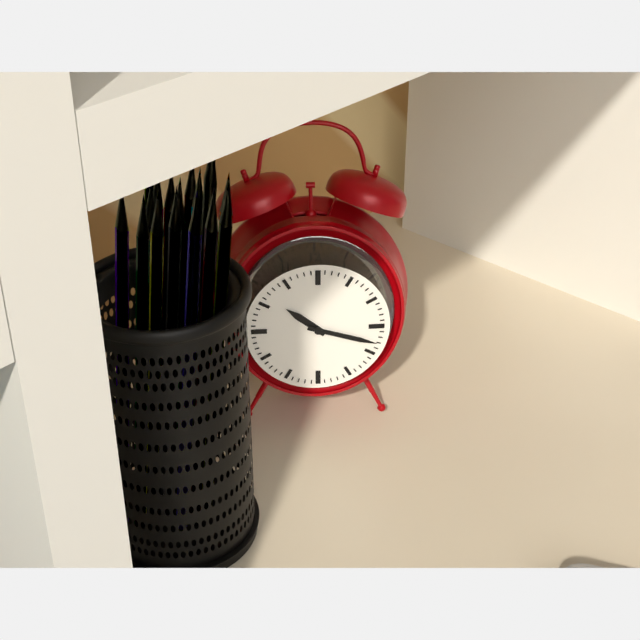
10:18
